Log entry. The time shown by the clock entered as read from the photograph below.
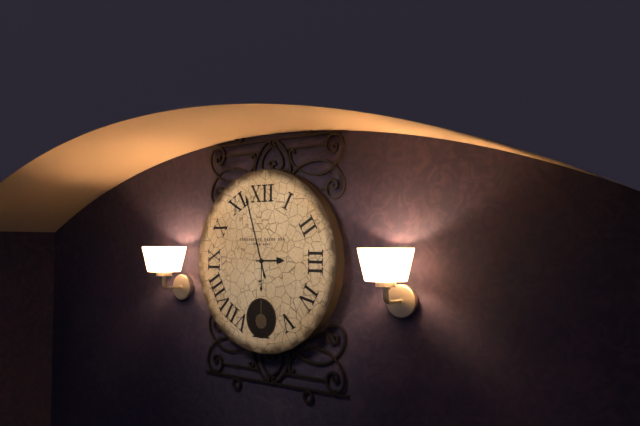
2:57
